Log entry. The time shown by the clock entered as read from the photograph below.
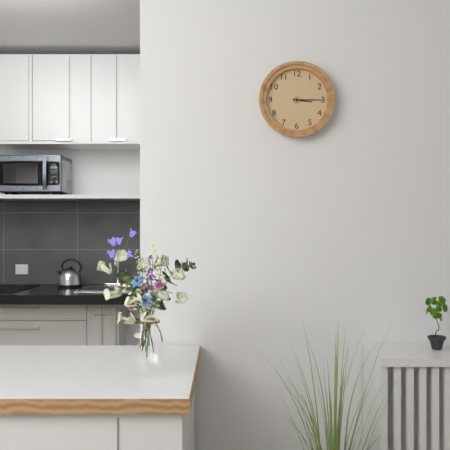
3:15
